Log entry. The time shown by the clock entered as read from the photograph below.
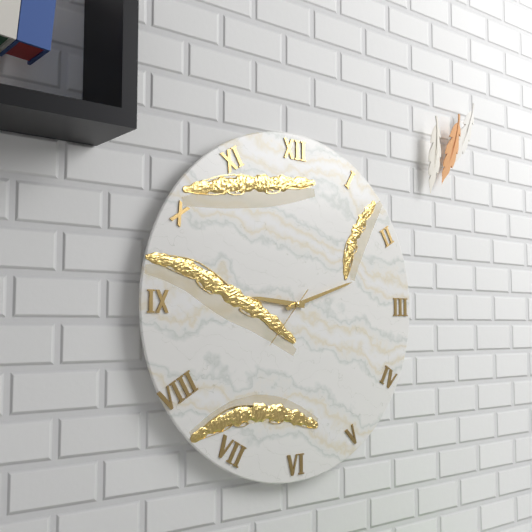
9:12:37
